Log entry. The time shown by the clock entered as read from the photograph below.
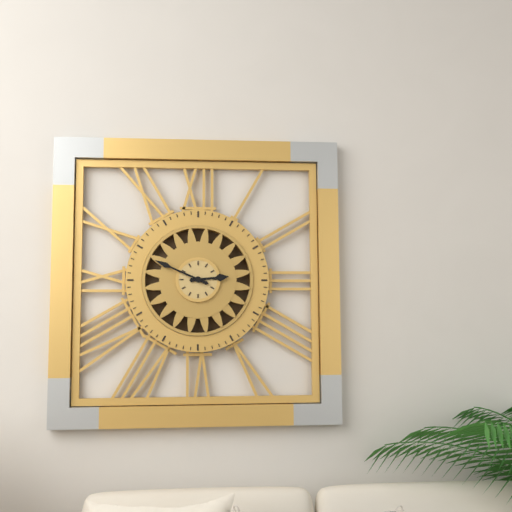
2:49
